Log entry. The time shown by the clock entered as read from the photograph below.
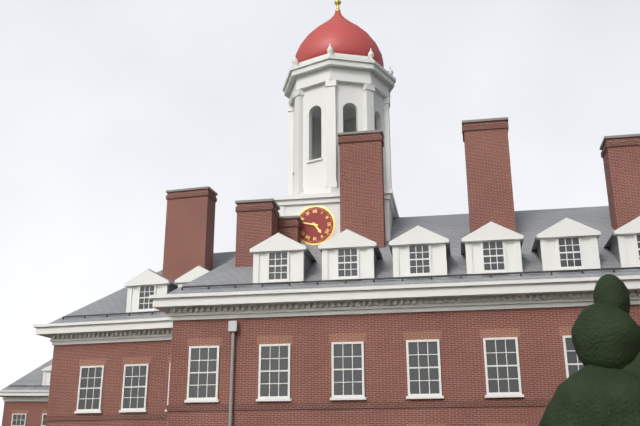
4:47
